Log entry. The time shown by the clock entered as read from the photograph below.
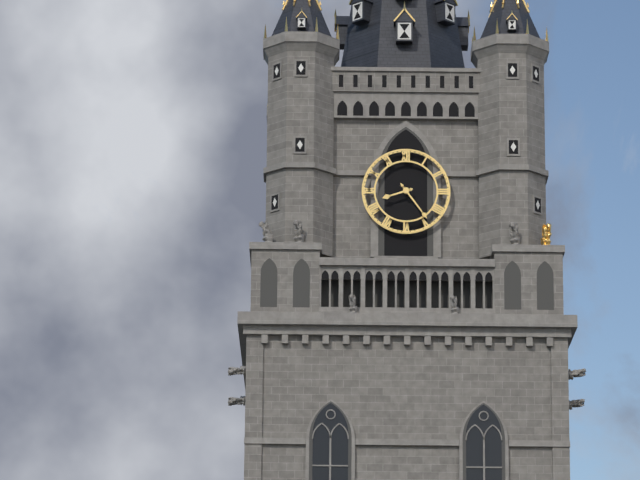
8:24
